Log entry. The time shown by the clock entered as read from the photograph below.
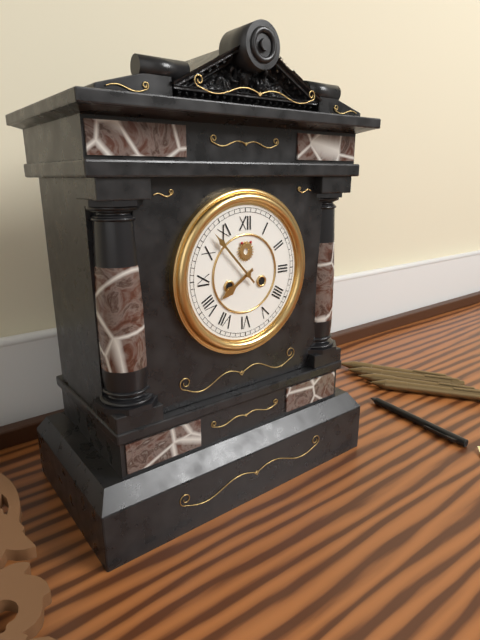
7:53
